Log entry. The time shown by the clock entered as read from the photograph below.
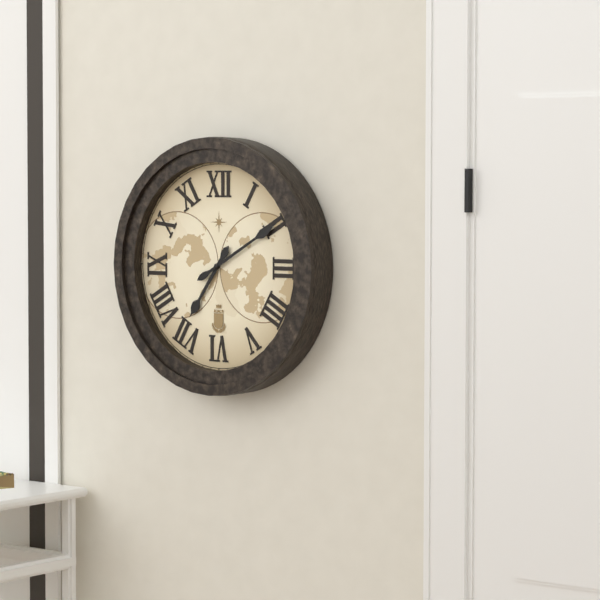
7:10
